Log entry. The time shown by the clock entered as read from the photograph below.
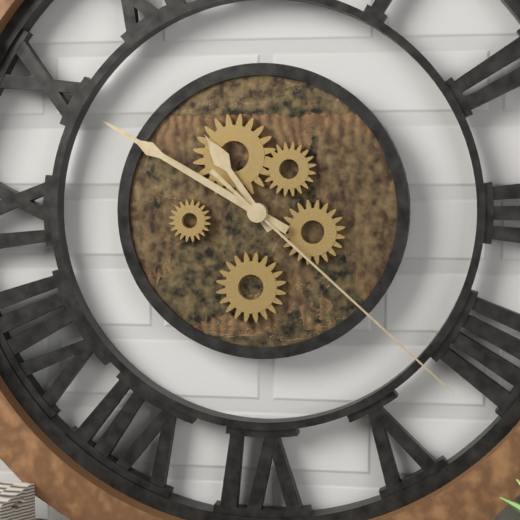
10:50:22
